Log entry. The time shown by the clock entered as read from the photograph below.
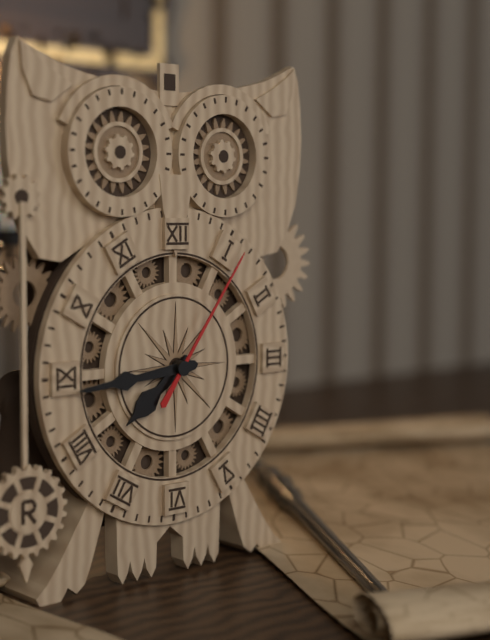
7:44:06
